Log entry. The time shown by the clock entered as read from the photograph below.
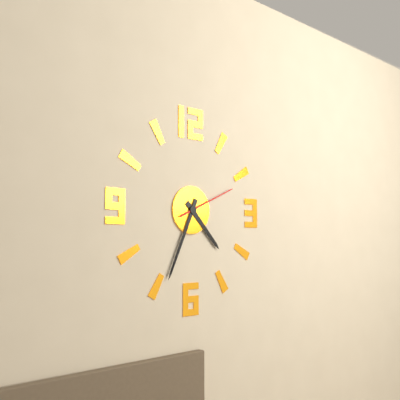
4:34:11
